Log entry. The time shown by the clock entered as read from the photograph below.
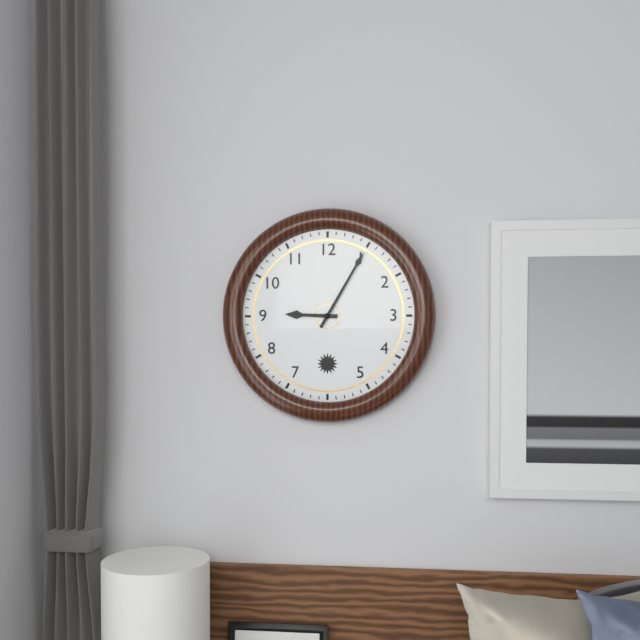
9:05
